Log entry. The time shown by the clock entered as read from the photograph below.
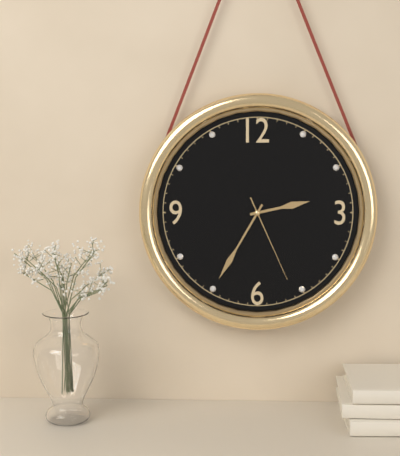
2:35:26
